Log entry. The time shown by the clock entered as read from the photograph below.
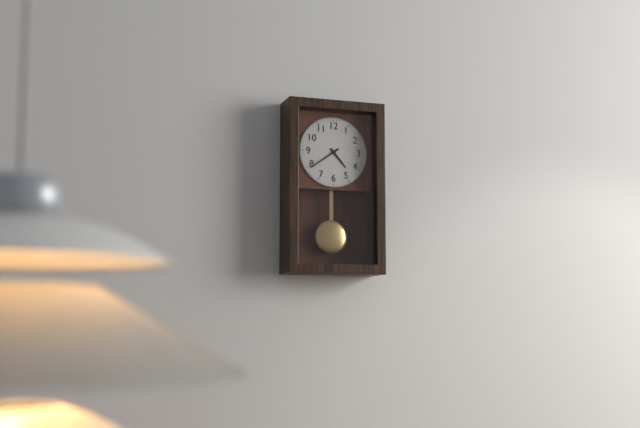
4:39
